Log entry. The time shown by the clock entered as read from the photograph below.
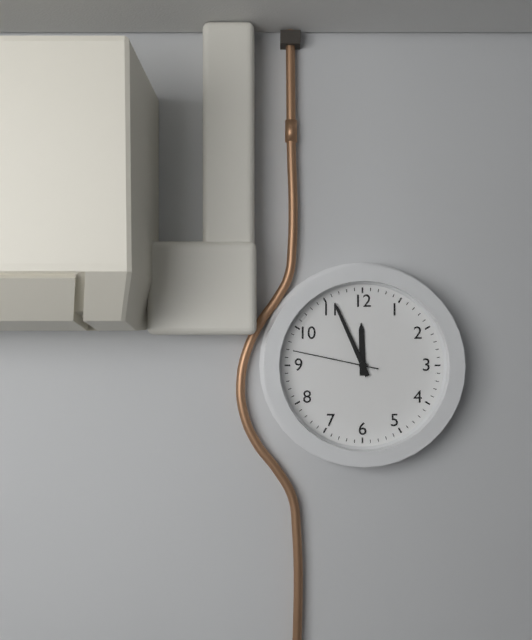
11:56:47
